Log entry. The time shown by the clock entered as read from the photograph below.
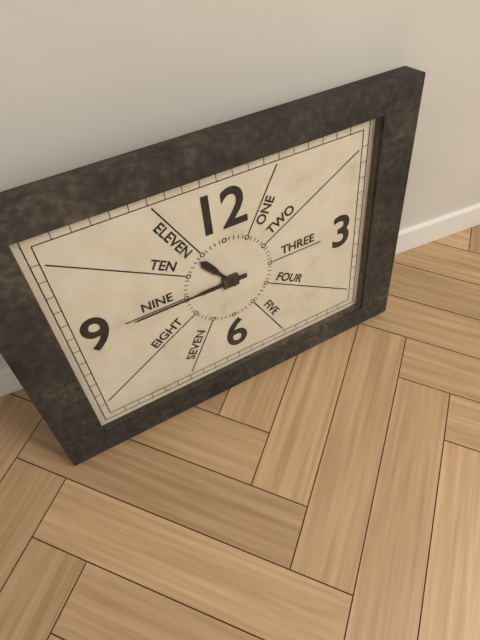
10:45
